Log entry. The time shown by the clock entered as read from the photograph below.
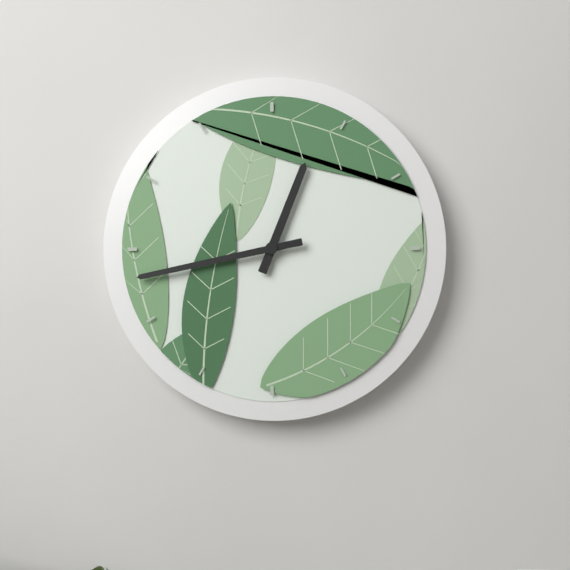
12:43
